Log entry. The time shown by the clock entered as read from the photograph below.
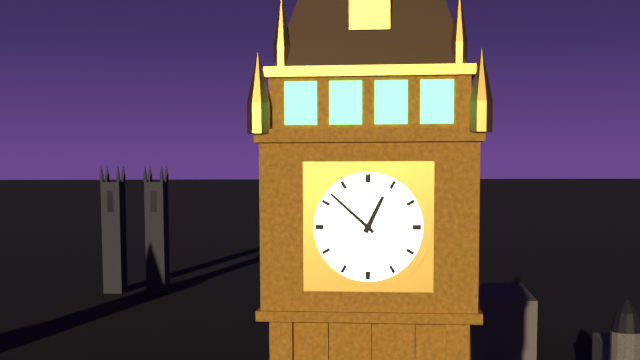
12:52
